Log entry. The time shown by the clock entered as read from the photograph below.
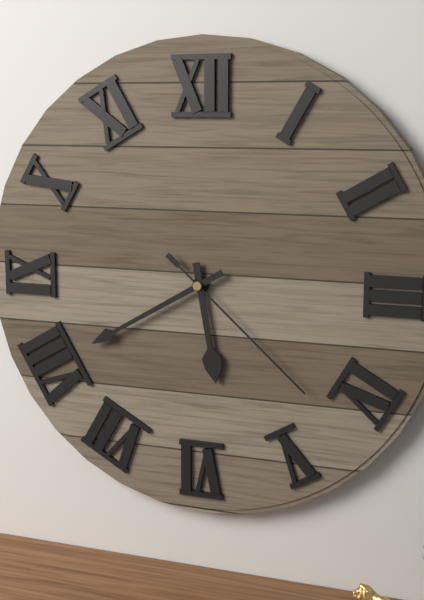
5:40:22
